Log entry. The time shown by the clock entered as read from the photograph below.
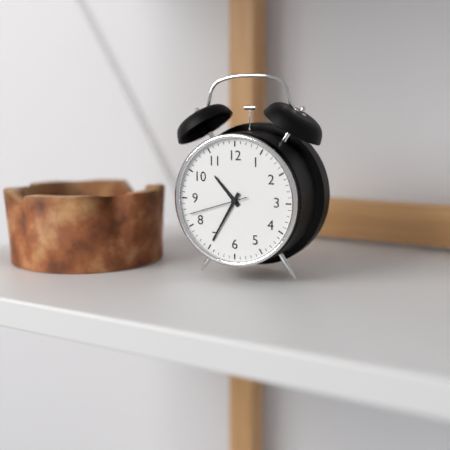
10:35:42
